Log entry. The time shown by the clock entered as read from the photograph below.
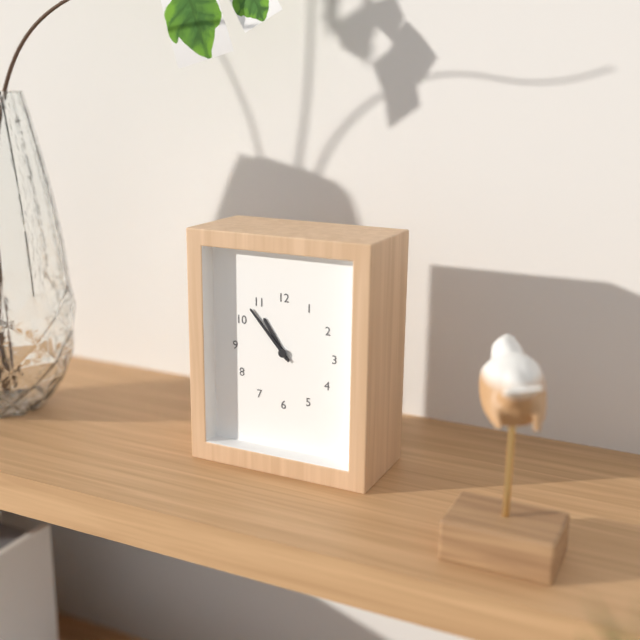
10:53
